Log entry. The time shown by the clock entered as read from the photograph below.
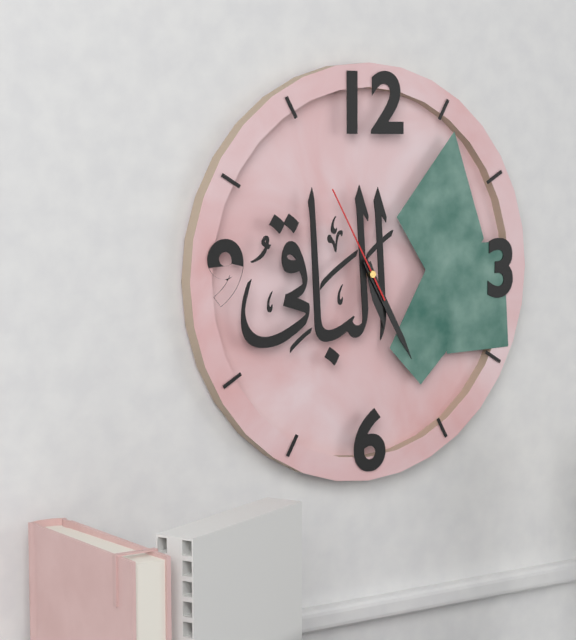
5:25:55
